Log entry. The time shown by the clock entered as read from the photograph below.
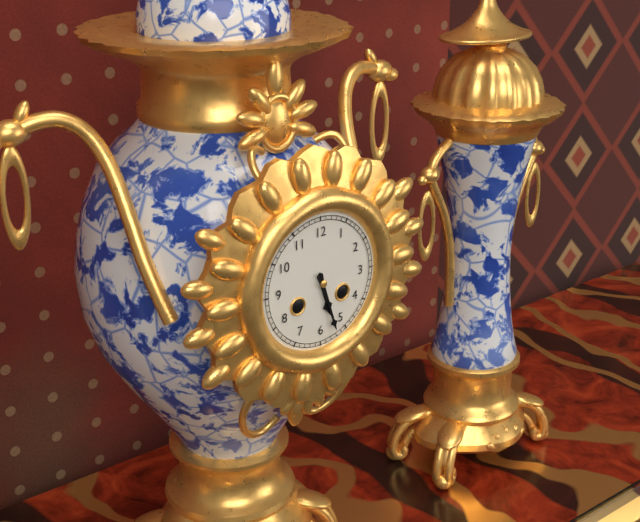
5:27
